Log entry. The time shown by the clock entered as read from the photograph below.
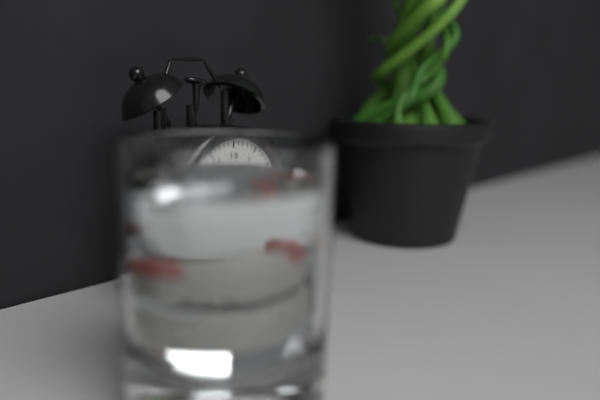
11:31
